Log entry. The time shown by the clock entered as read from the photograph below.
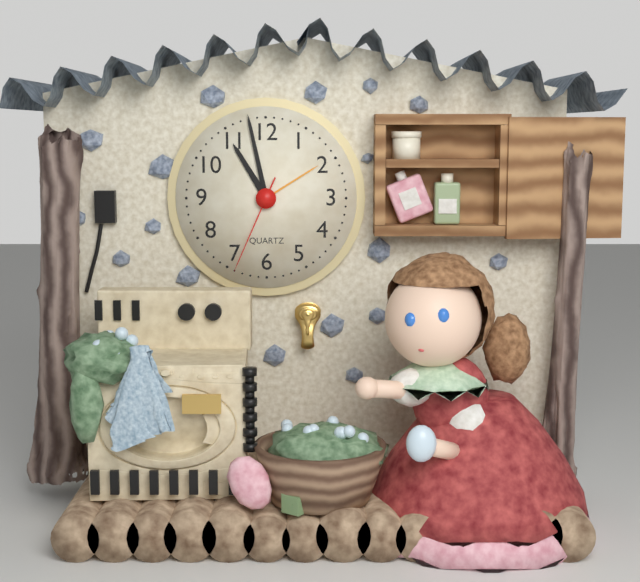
10:58:34
